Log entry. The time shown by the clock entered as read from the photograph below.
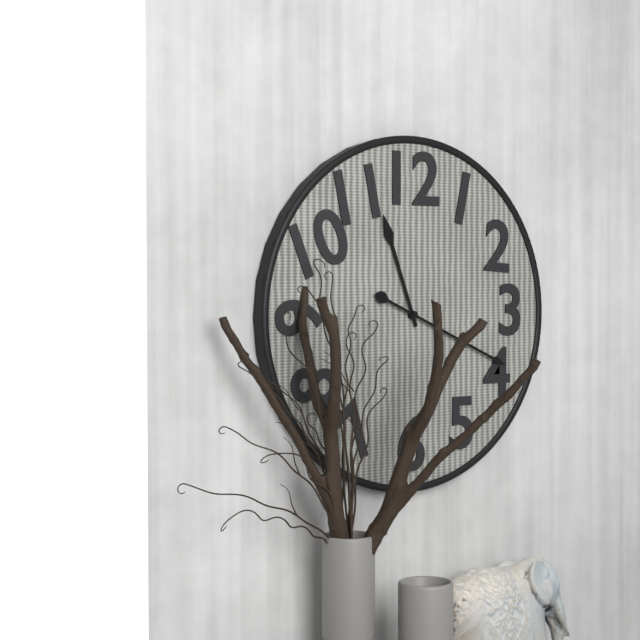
11:19
